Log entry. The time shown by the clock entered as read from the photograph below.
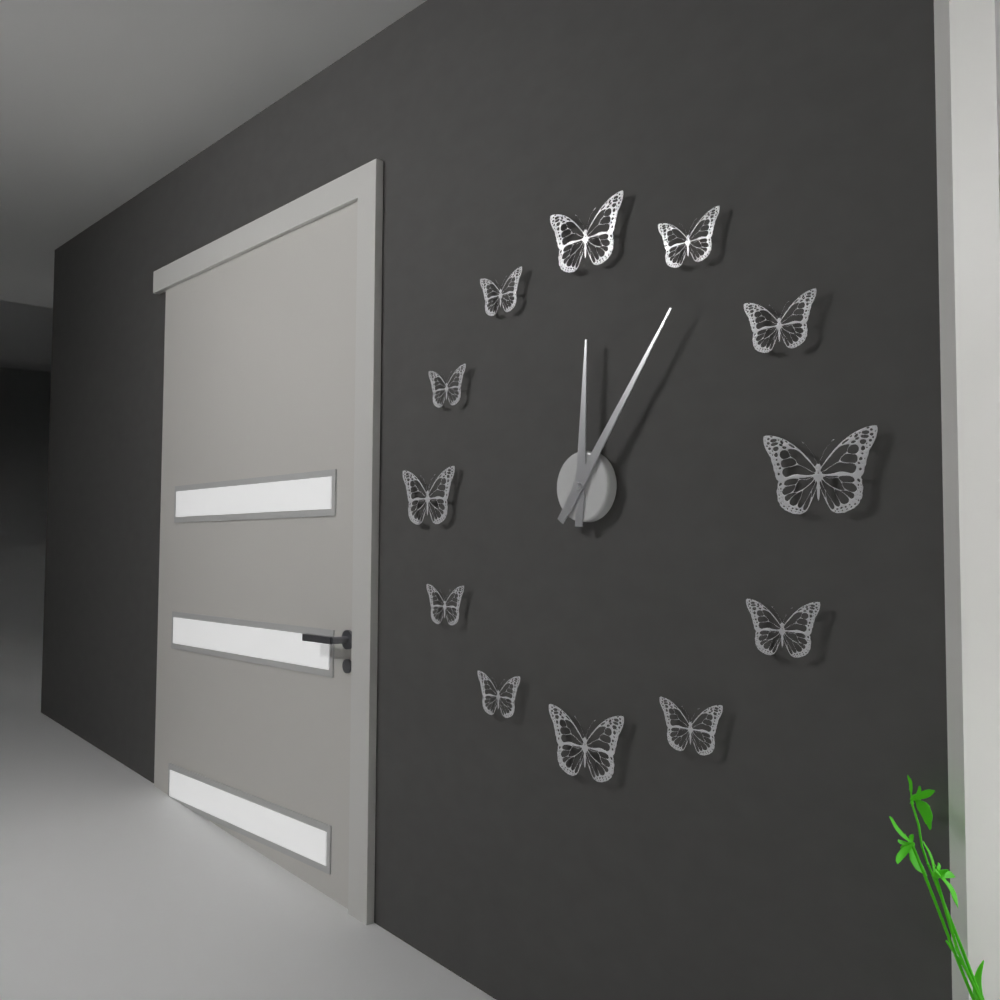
12:06
